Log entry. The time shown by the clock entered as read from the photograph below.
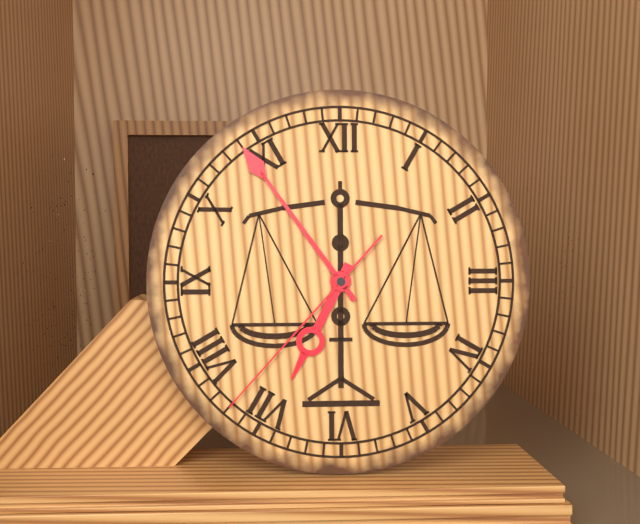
6:54:37
